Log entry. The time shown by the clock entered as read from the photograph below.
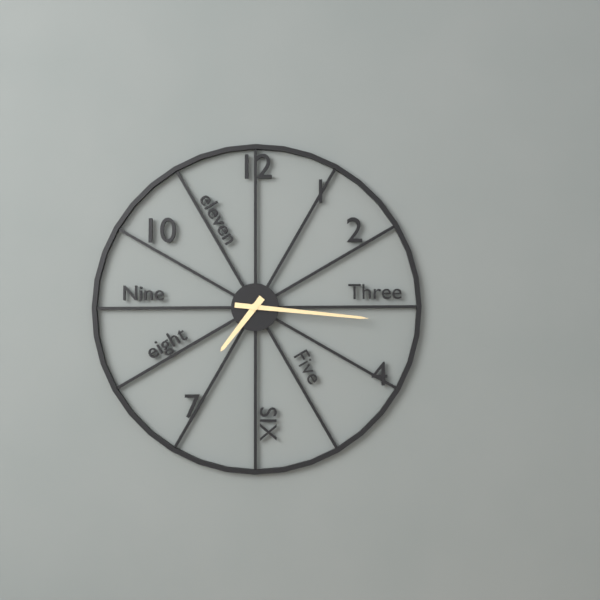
7:16
